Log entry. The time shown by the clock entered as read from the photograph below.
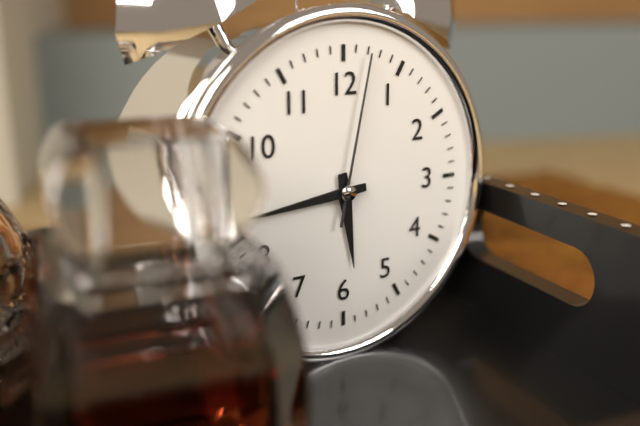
5:44:02
